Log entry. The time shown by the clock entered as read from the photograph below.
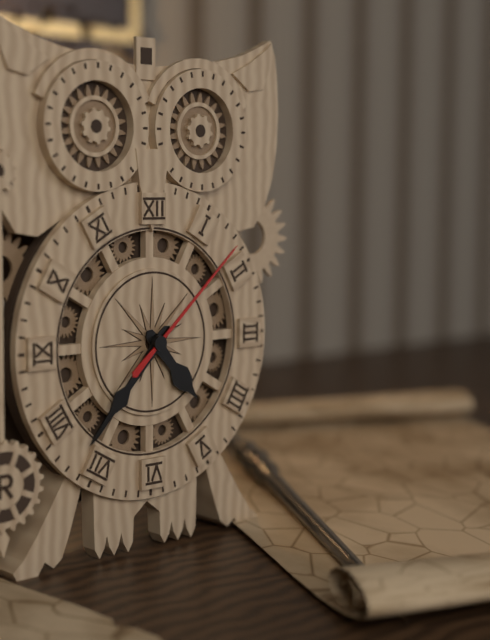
4:37:08
